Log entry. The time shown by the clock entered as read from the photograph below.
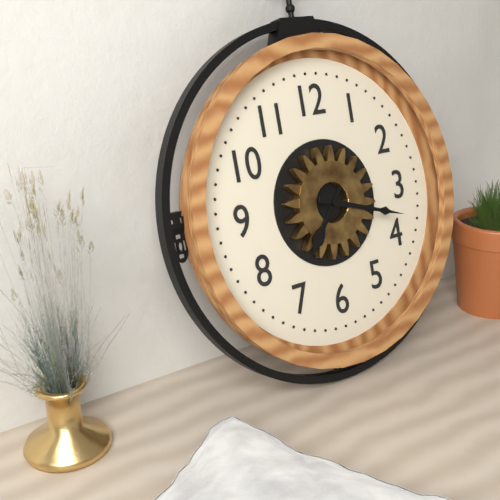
7:18
